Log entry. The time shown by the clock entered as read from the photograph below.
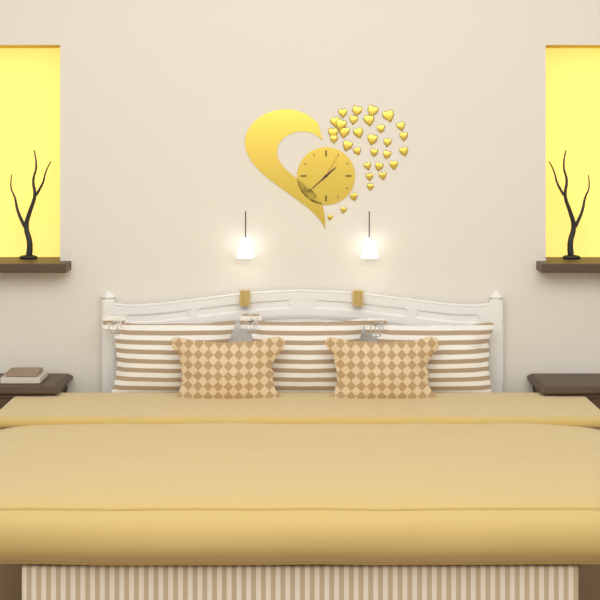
1:38
